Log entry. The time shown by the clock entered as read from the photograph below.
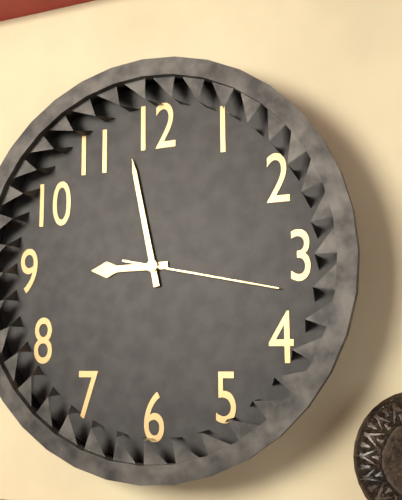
8:58:17
